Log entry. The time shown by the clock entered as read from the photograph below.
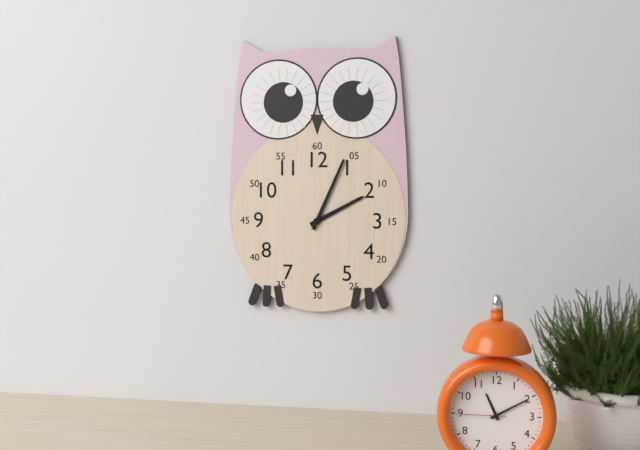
2:04
